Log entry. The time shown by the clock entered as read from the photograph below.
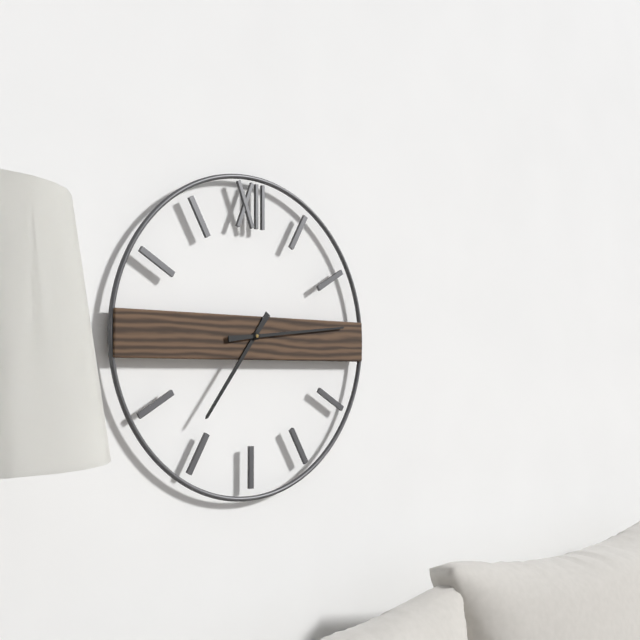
7:14
